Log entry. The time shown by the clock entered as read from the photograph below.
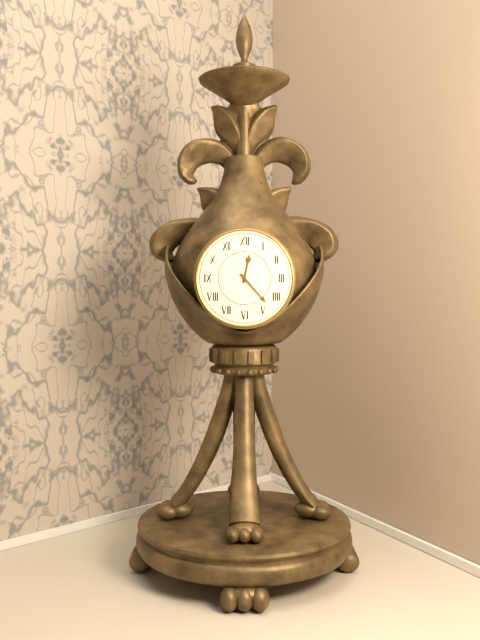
12:23
